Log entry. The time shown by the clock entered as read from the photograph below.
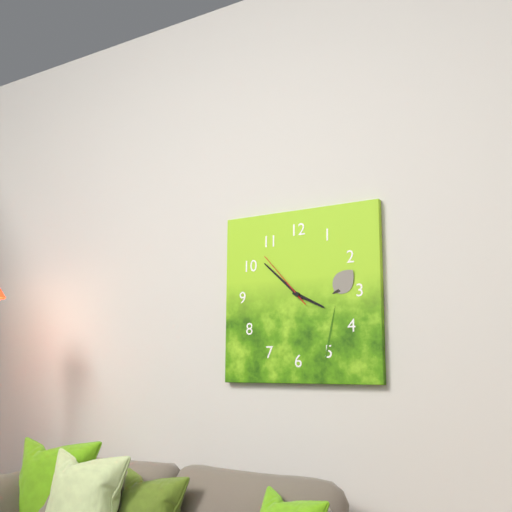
3:52:53
